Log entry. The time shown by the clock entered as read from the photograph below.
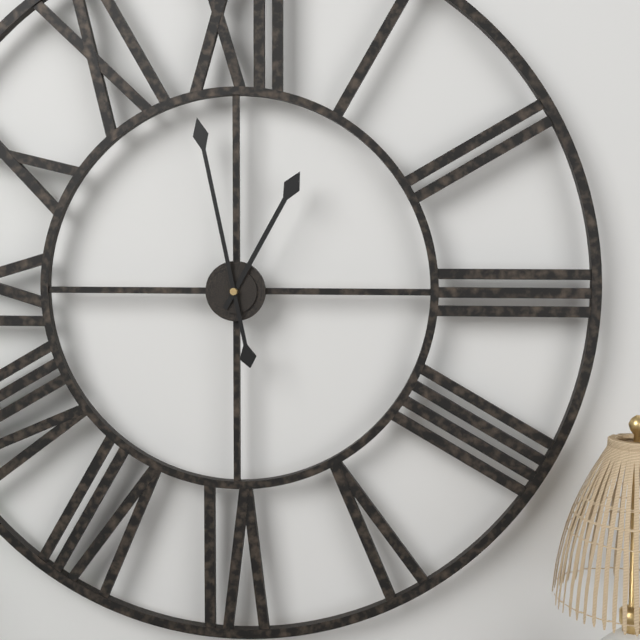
12:58
